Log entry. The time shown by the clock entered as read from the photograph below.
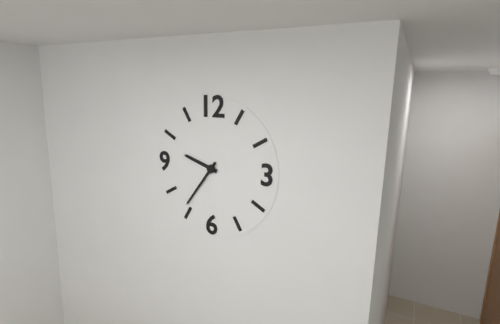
9:36
